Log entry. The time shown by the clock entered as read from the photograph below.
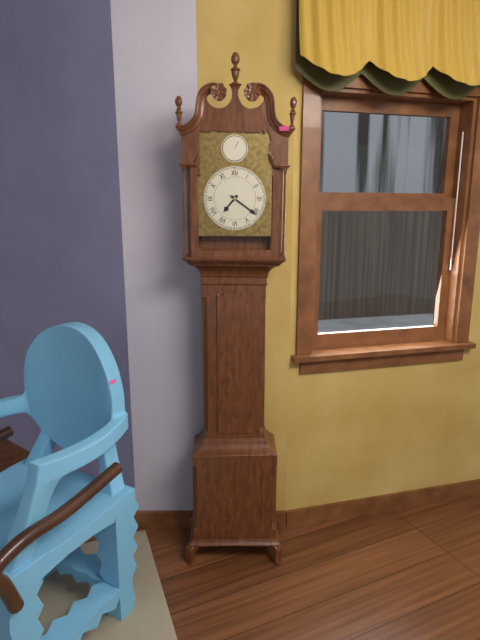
7:21
